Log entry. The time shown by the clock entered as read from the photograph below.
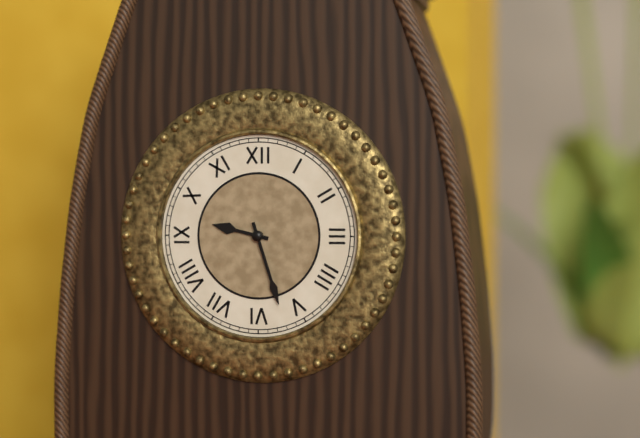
9:27
